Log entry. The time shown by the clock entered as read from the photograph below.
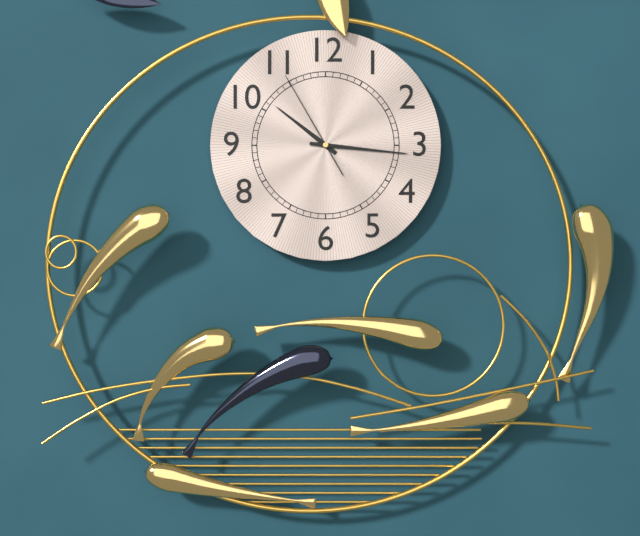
10:16:55
